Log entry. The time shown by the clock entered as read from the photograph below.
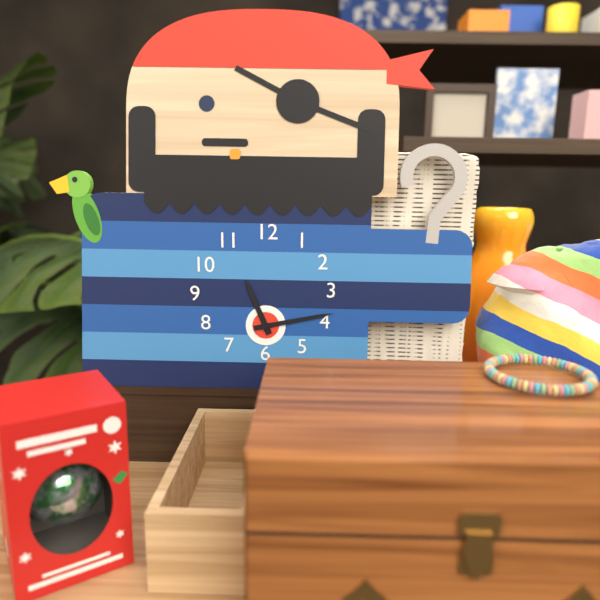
11:13
